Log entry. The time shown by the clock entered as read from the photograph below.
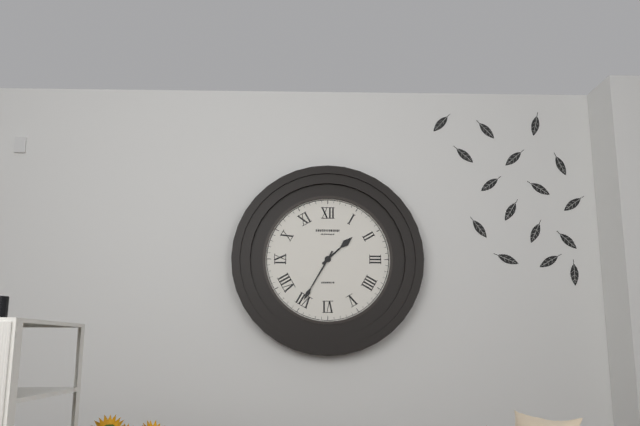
1:35
